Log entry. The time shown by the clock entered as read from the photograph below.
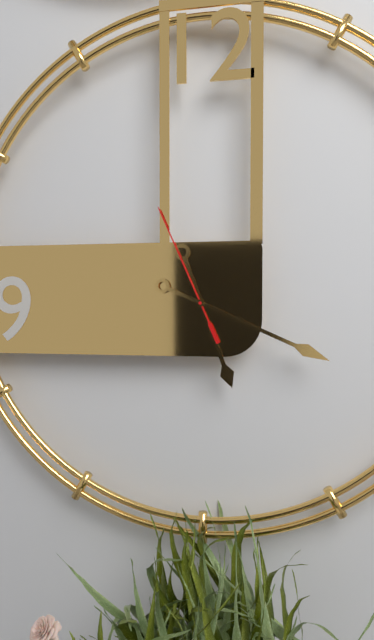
5:19:56
